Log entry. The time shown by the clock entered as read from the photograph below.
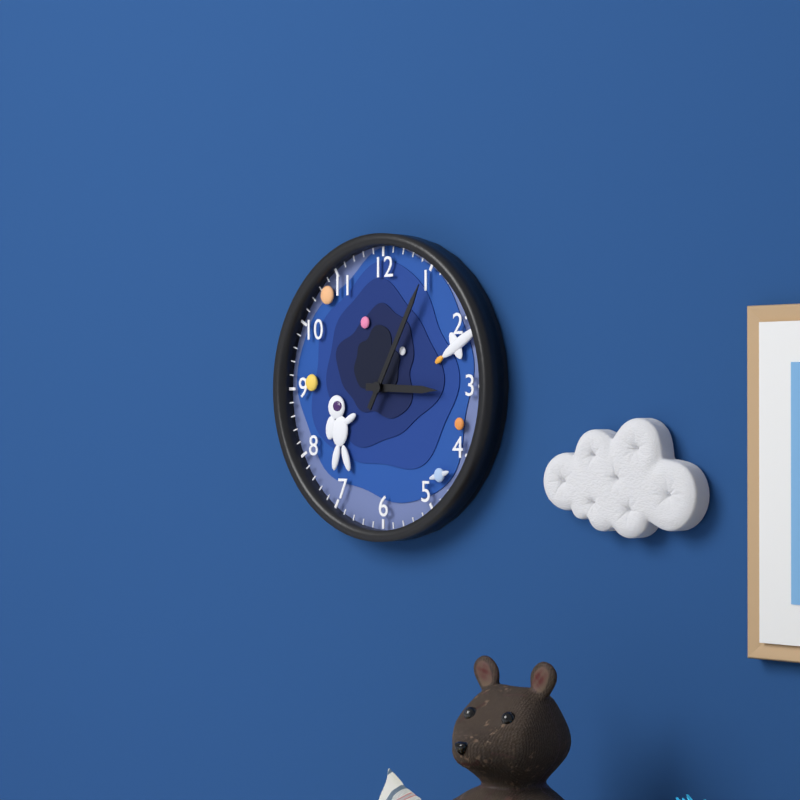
3:05
